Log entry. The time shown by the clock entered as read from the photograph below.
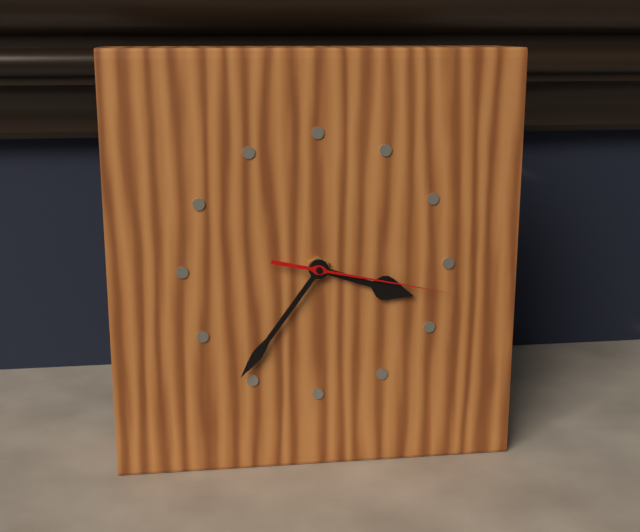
3:36:17
